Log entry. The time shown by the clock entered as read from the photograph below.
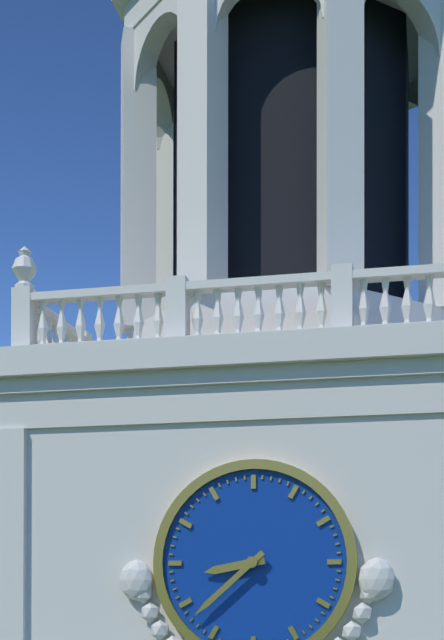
8:38
